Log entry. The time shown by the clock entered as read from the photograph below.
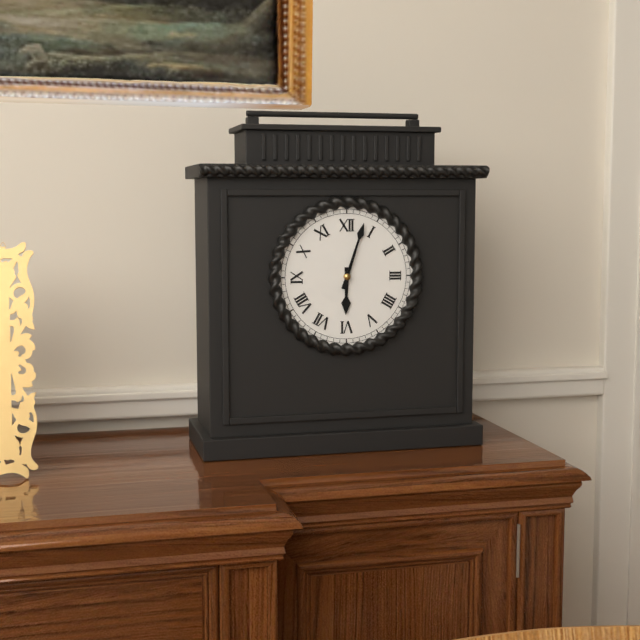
6:03
